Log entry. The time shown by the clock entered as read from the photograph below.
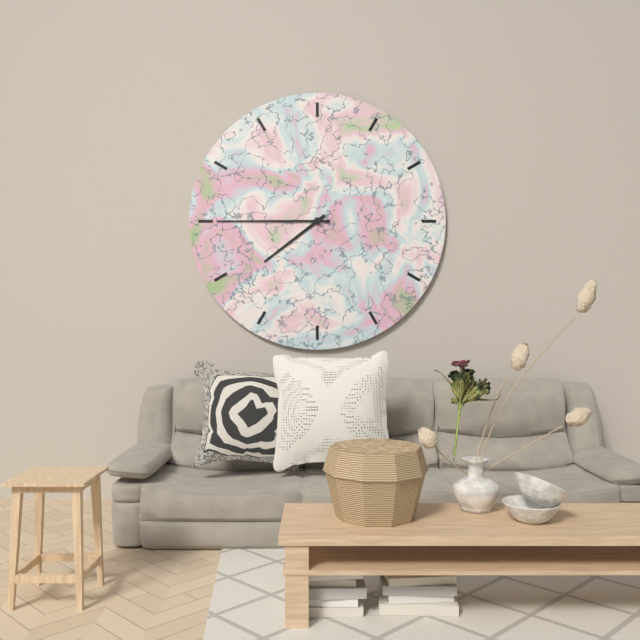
7:45
